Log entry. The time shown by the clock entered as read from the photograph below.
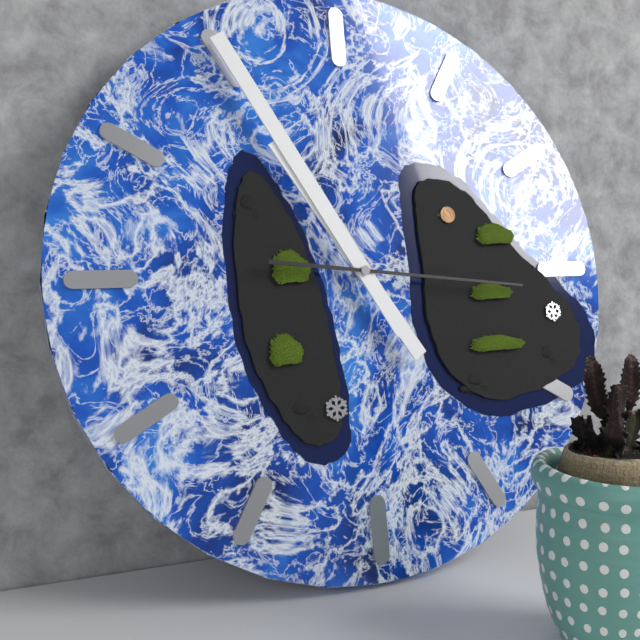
10:55:16
